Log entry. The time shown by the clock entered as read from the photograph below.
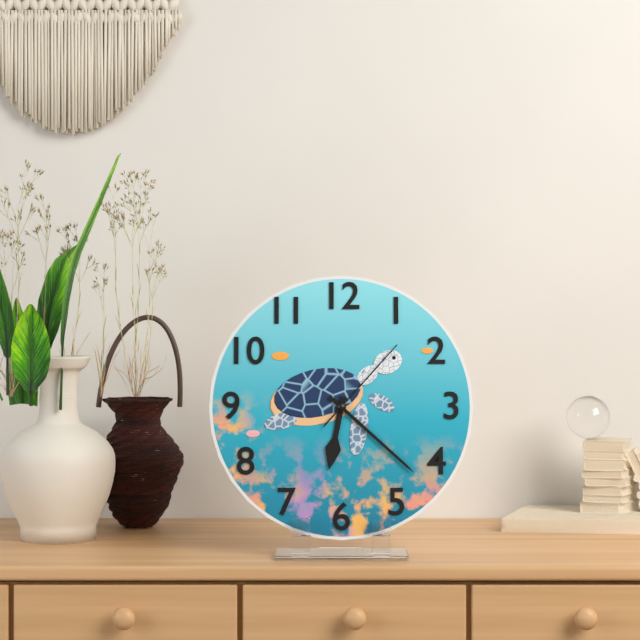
6:22:07
